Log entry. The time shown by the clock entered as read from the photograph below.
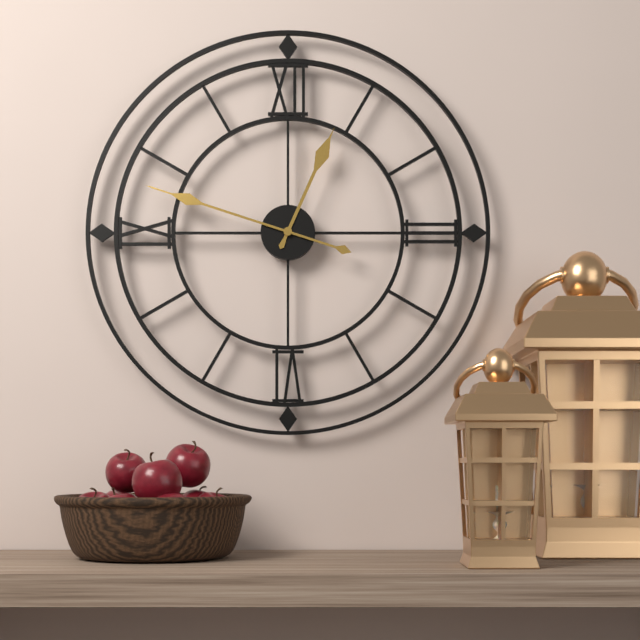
12:48
